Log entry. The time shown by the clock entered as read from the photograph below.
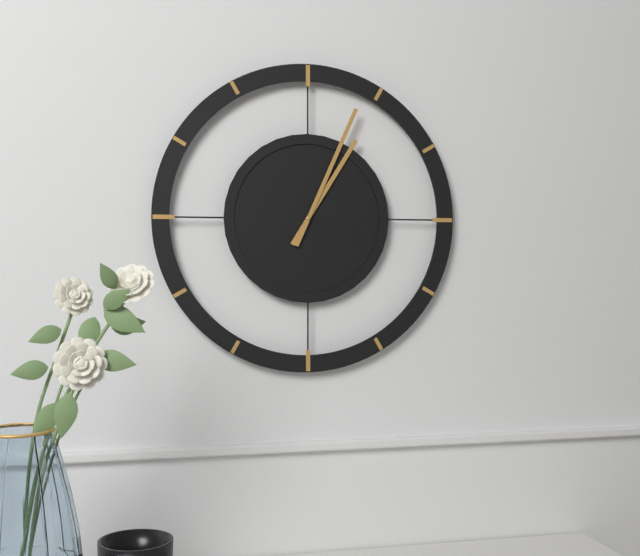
1:04
